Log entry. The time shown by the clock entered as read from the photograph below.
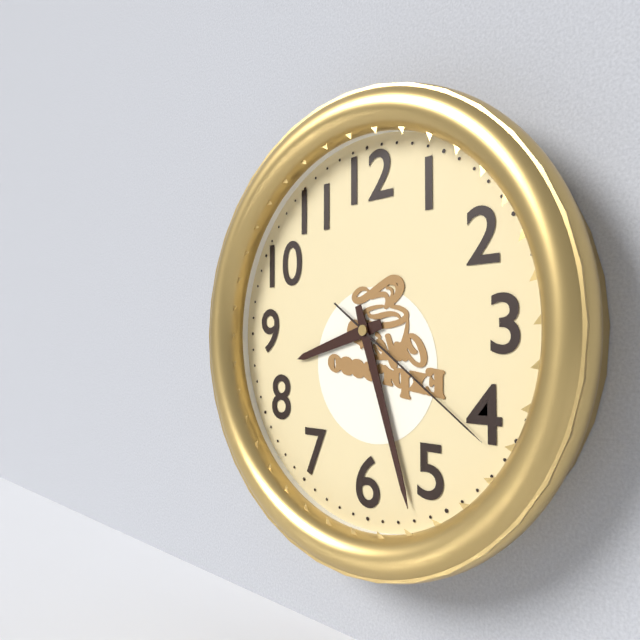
8:27:21
